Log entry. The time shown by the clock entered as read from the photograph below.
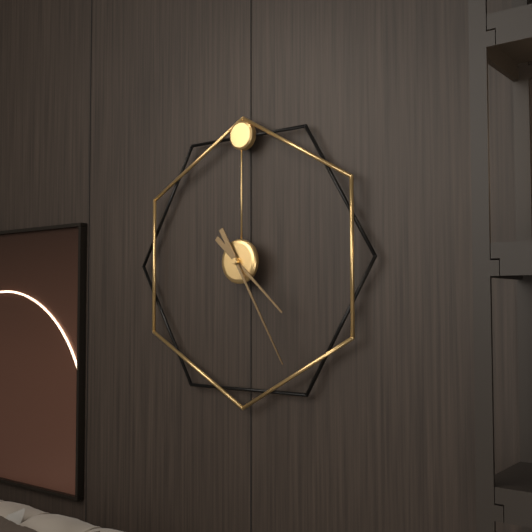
4:25
